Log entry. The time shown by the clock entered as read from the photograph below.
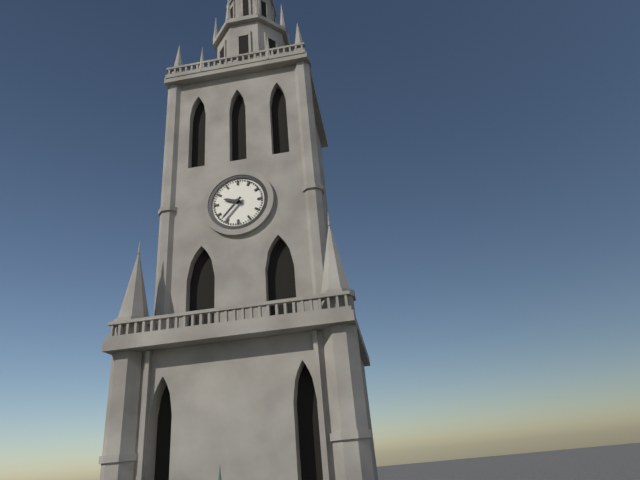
9:37
